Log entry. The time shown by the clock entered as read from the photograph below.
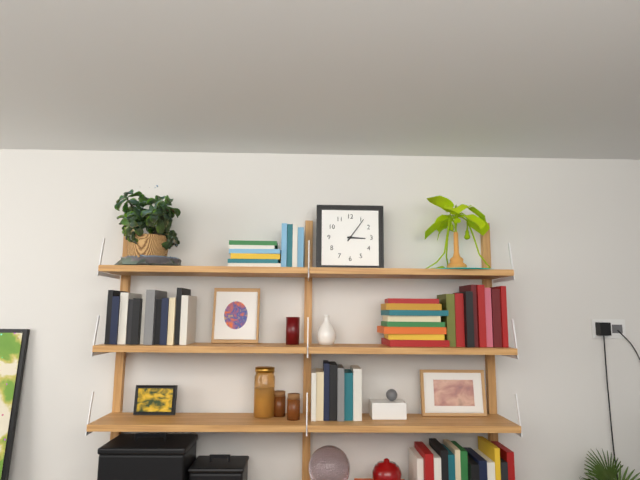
3:06
